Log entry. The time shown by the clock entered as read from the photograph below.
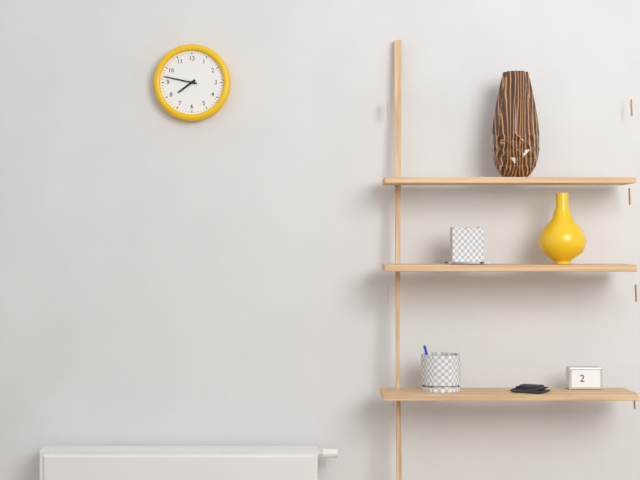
7:47
